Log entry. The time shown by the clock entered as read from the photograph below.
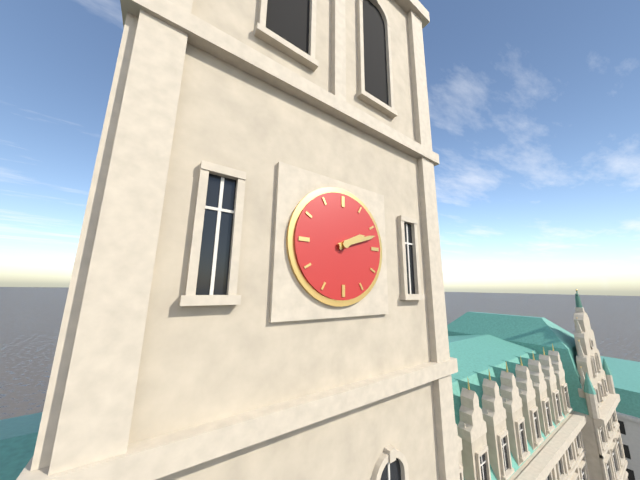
2:12
